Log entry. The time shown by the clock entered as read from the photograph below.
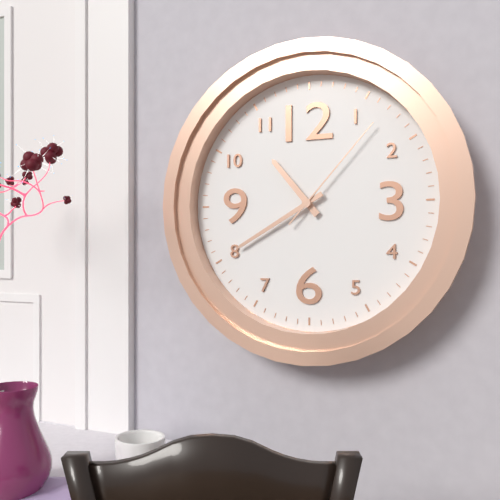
10:40:07
